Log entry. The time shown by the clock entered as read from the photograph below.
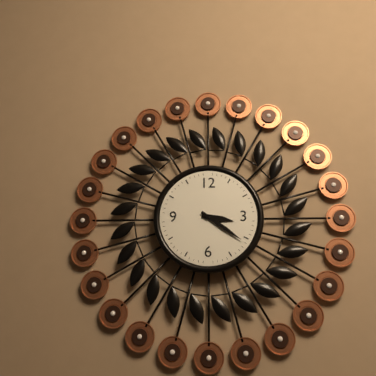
3:21
